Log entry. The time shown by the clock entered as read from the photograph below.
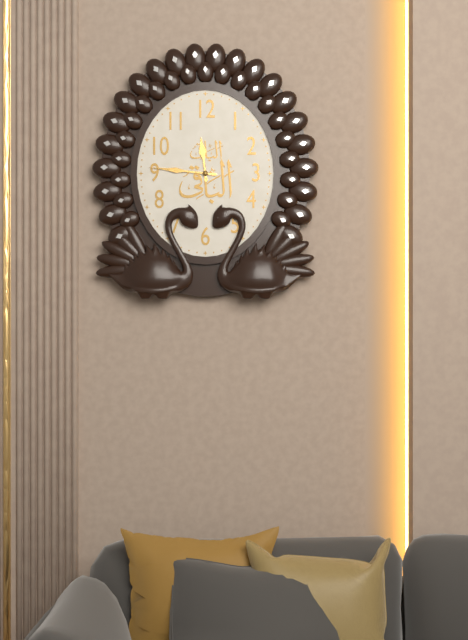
11:46
